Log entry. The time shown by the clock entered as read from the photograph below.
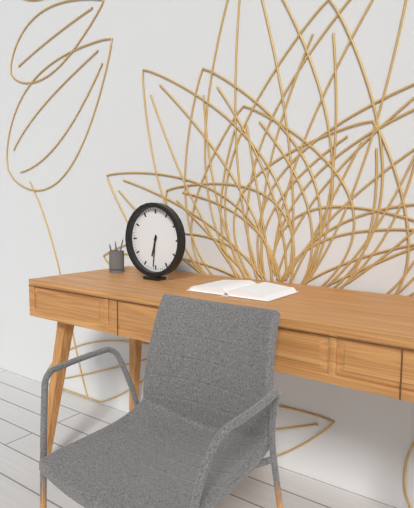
6:31
